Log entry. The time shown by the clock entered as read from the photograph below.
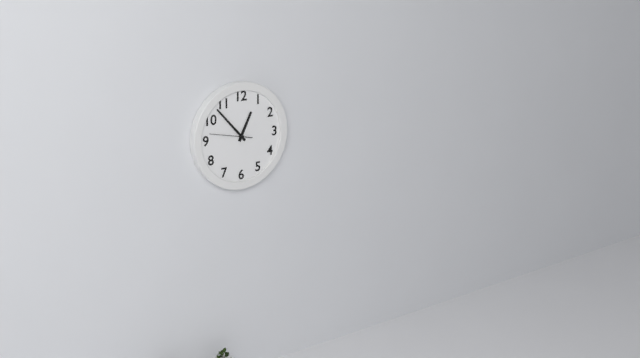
12:53
